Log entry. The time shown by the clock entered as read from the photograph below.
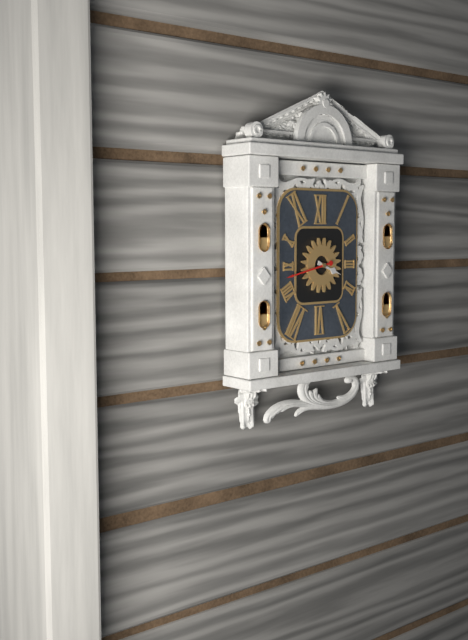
3:43
